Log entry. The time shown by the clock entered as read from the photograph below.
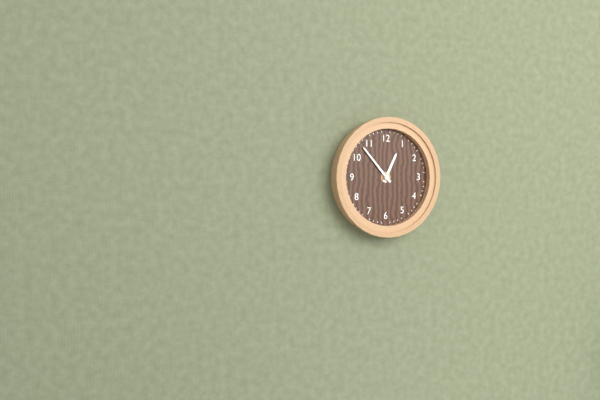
12:53
